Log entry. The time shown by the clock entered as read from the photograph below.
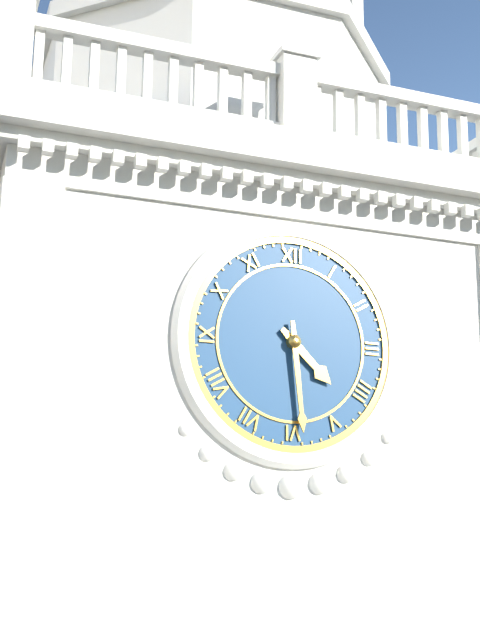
4:29
